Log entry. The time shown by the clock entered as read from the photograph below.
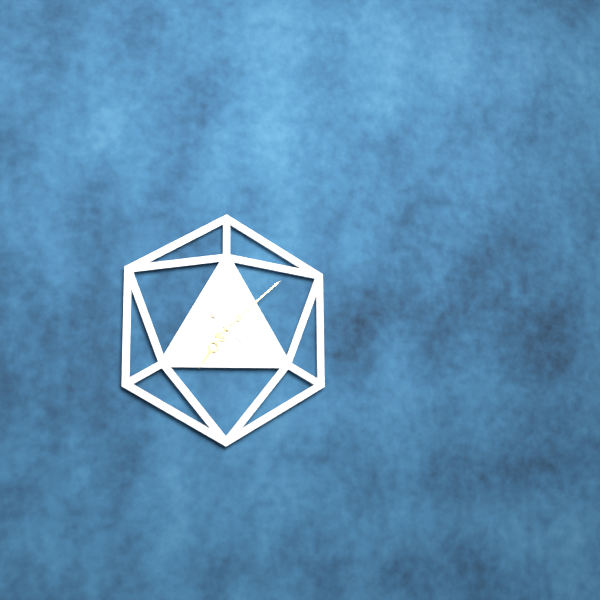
7:08:22
